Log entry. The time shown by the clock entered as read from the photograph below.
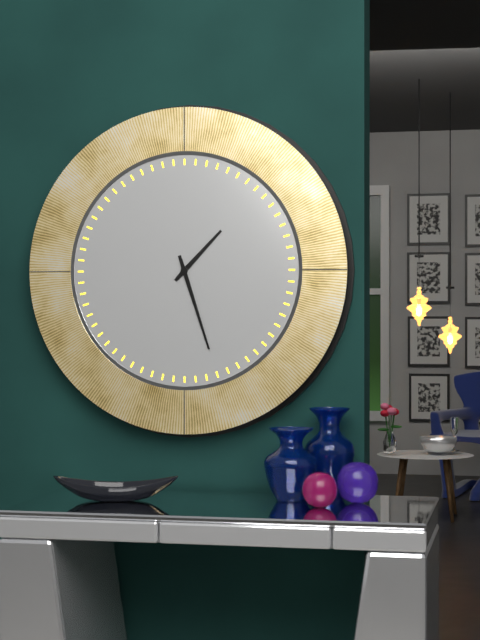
1:27
